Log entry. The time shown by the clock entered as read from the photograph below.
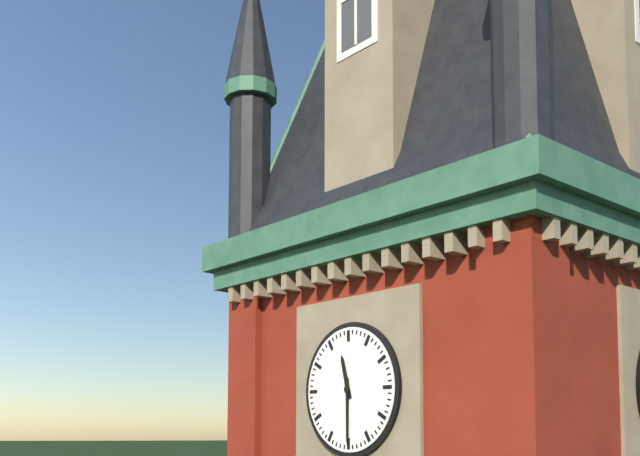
11:30
